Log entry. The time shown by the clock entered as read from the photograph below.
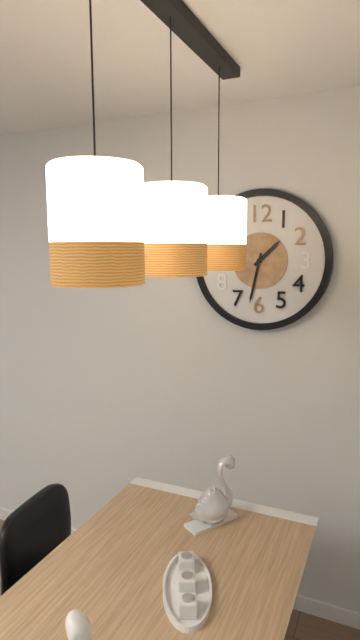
1:32
